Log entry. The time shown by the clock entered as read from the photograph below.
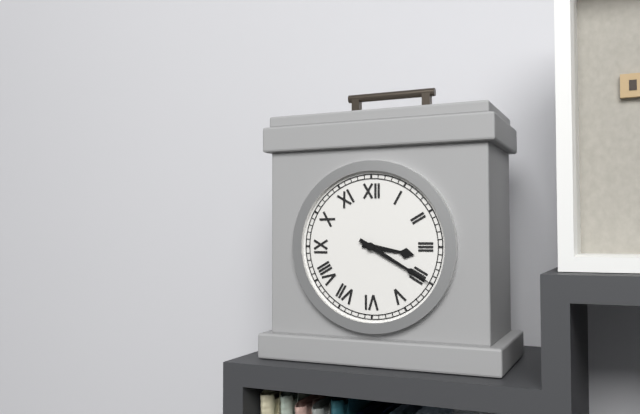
3:20
